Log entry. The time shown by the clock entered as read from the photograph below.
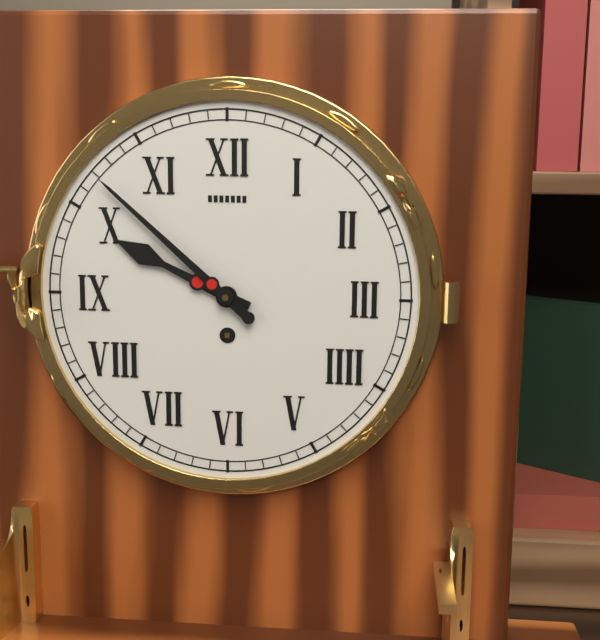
9:52
